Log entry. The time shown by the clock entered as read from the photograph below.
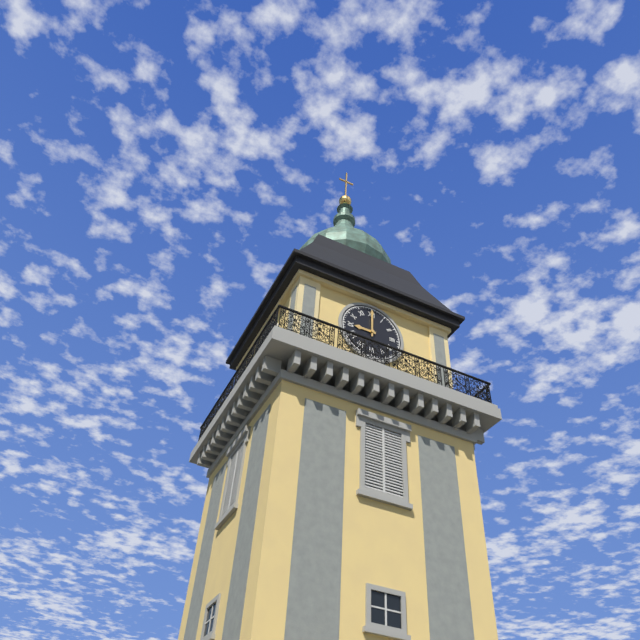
9:00
